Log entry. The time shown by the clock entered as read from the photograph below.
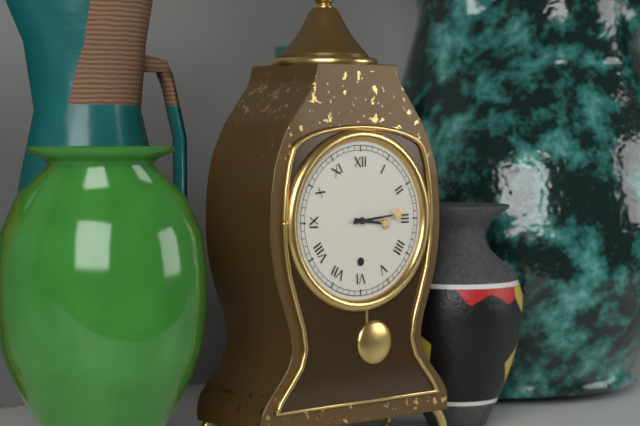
3:14
